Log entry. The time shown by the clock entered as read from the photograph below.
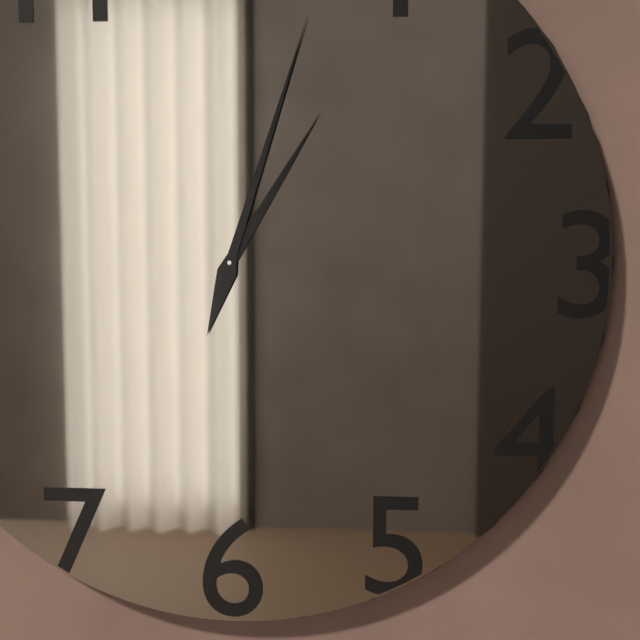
1:03
